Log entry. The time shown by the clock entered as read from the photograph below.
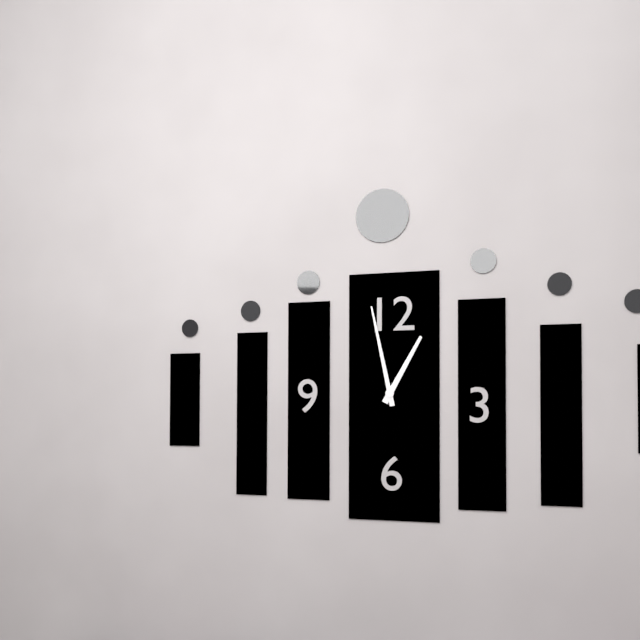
12:58
